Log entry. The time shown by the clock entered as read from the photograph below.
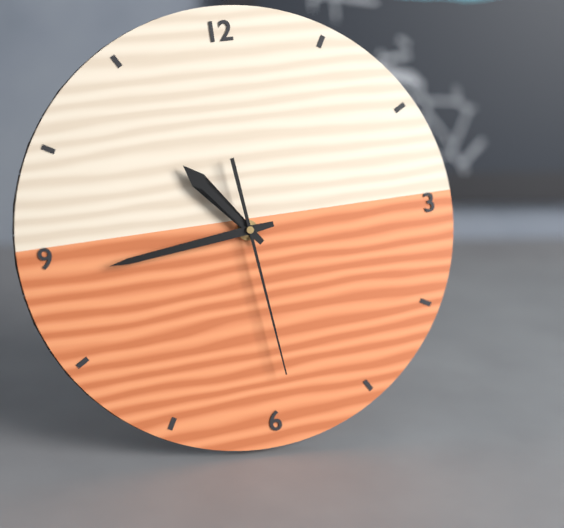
10:44:29
